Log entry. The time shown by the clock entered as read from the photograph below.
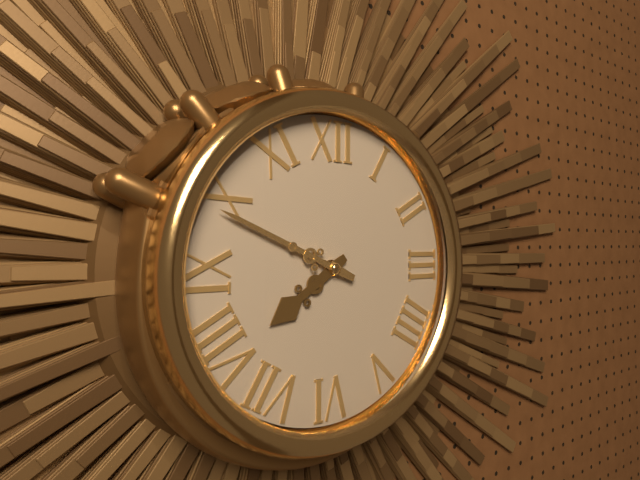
7:49
